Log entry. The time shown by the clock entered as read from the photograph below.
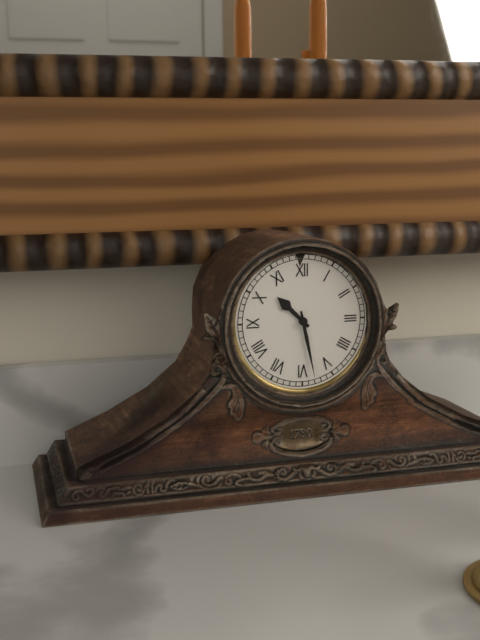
10:28
